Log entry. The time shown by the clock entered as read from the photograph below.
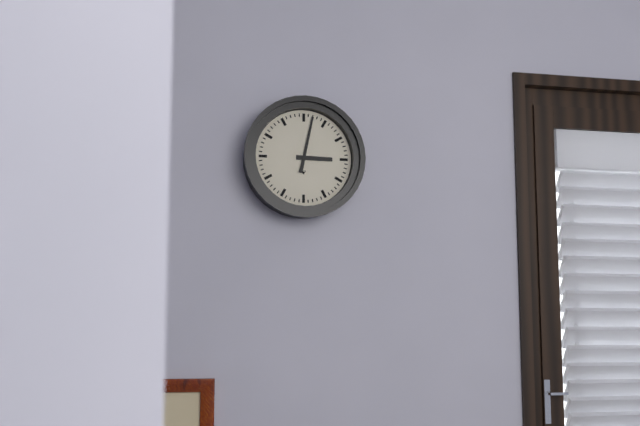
3:02
